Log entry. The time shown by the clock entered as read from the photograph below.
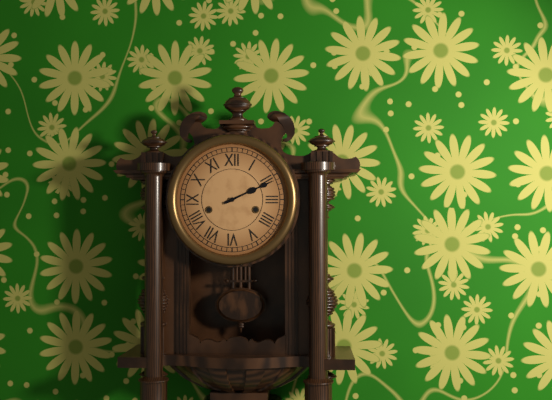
2:11
